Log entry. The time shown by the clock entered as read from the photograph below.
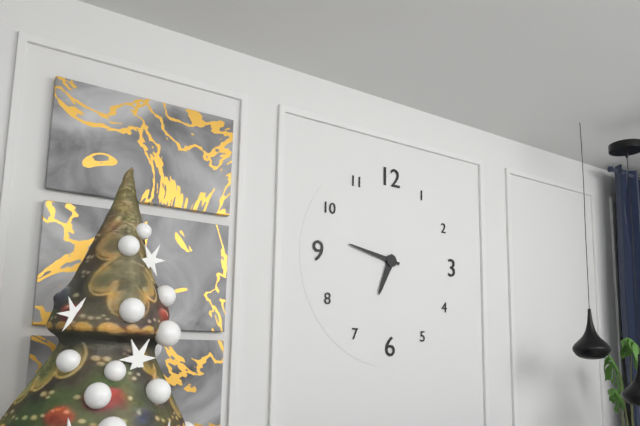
6:47
